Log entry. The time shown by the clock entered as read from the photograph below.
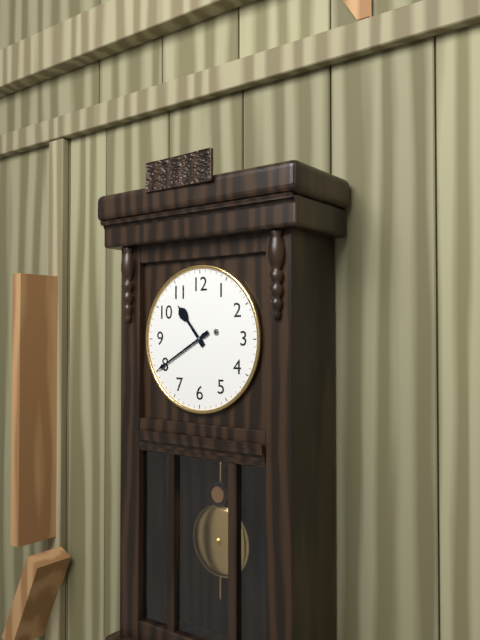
10:40
